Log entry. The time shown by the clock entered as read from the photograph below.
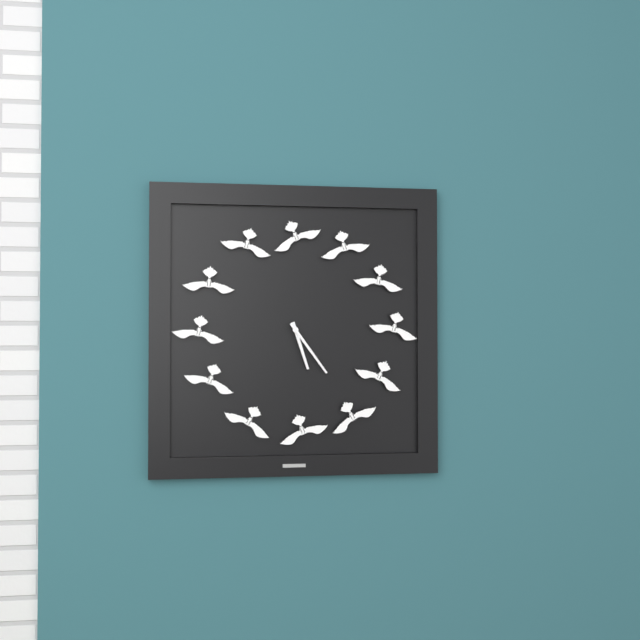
5:24
